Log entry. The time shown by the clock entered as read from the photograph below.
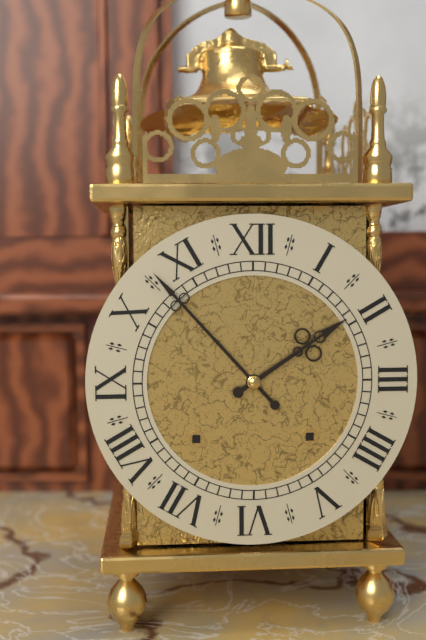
1:53
